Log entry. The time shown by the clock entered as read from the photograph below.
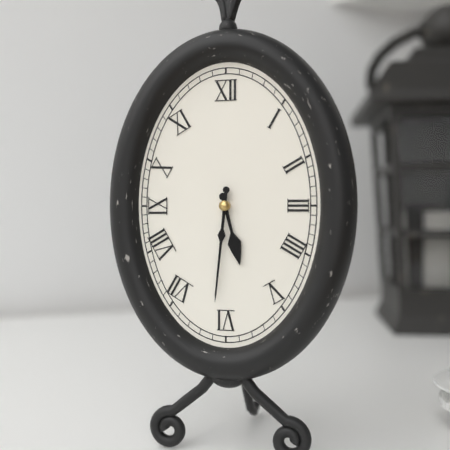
5:31
